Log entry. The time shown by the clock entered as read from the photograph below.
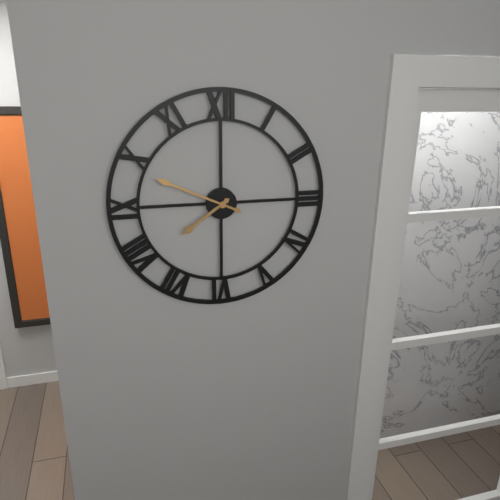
7:49
